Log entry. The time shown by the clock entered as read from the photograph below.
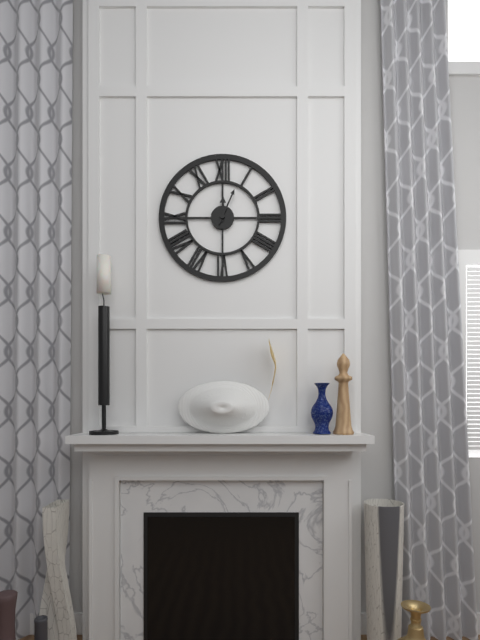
12:04
